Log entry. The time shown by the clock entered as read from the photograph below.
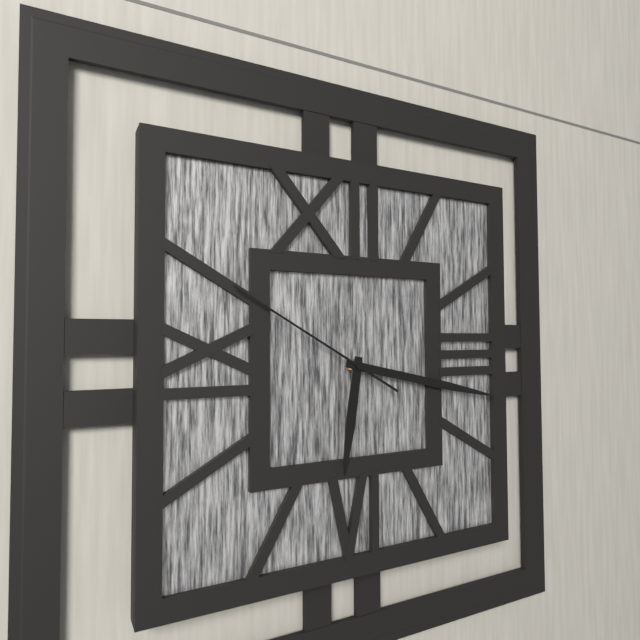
6:17:50
